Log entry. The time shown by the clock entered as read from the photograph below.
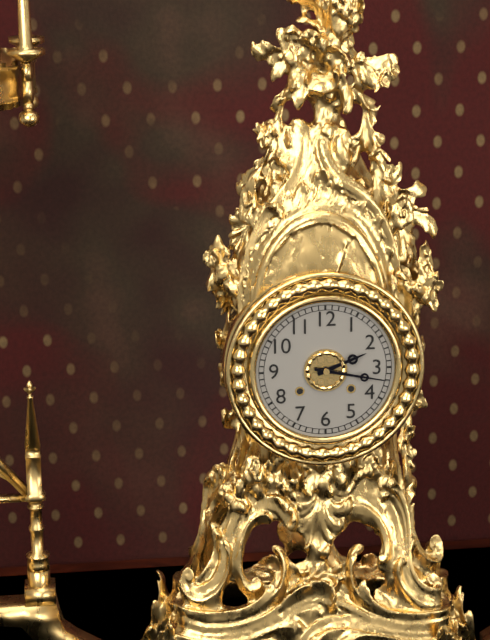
2:17
